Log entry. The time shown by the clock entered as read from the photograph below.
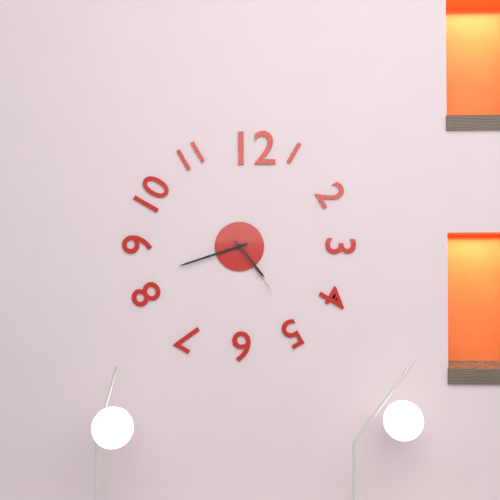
4:42:24
